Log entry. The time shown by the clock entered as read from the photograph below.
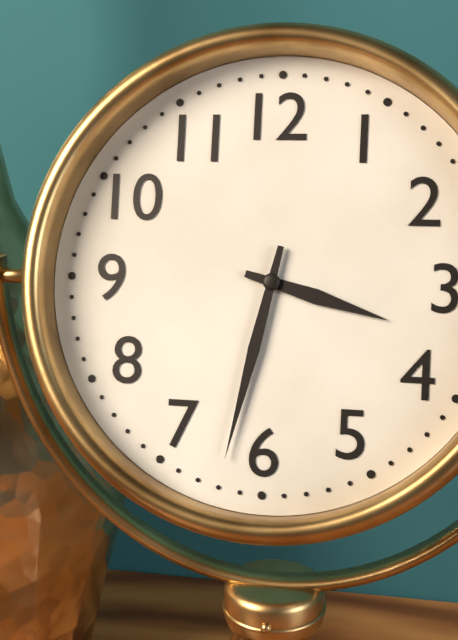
3:32
